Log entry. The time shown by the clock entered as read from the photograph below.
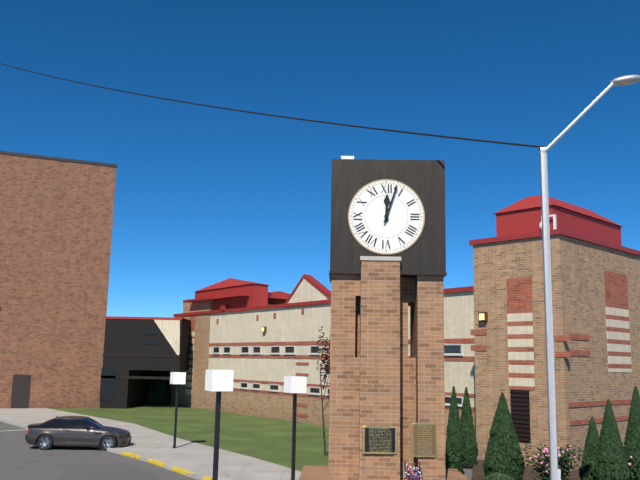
12:03
